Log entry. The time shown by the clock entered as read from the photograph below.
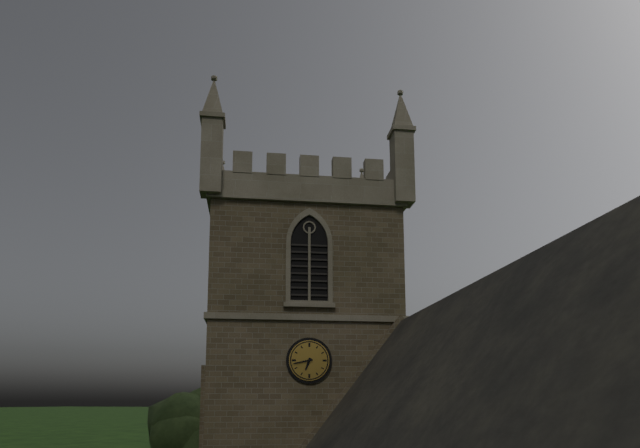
6:43
